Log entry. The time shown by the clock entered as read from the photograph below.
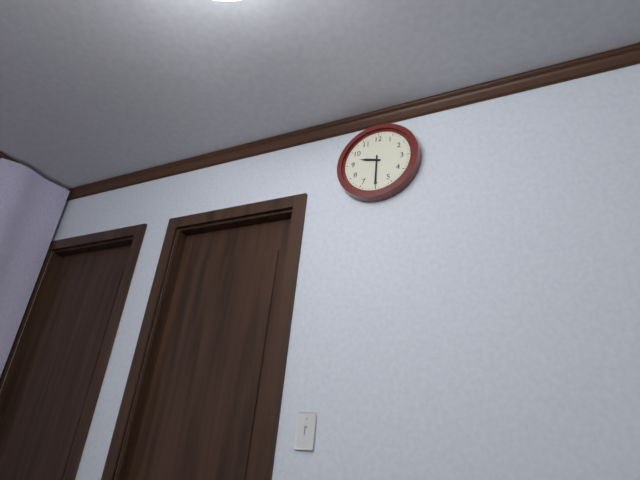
9:30
